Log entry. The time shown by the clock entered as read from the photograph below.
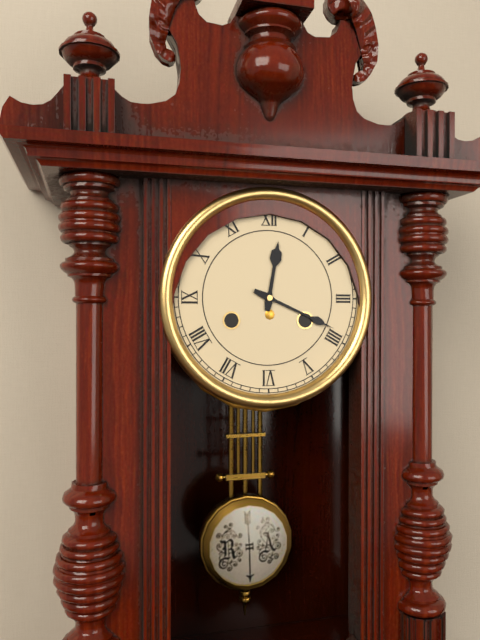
12:19
